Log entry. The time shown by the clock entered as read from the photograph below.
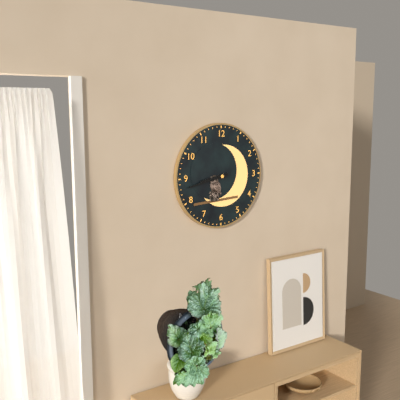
8:43
